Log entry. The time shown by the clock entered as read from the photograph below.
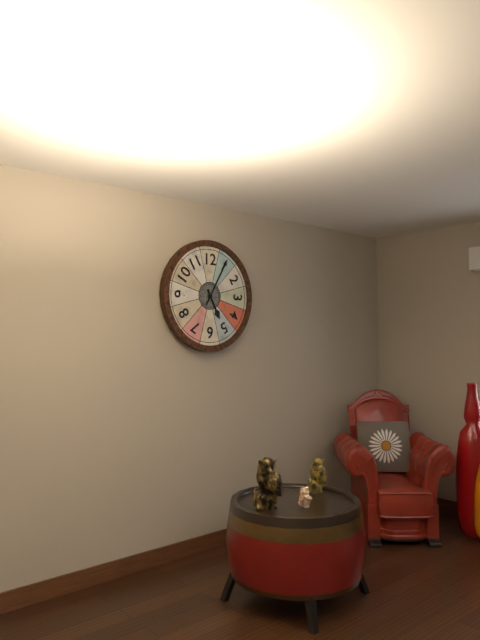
5:05
